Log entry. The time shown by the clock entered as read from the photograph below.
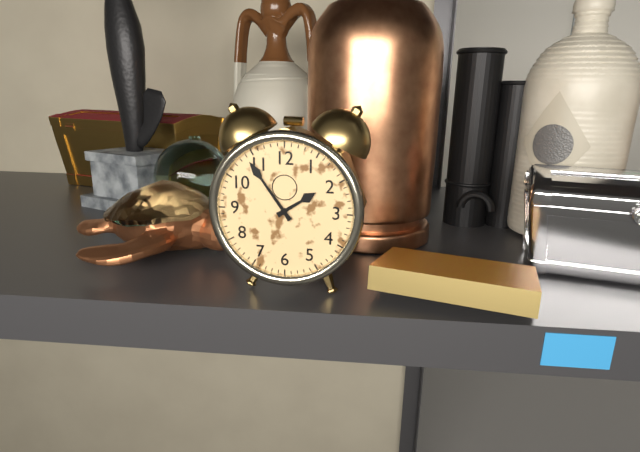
1:54
